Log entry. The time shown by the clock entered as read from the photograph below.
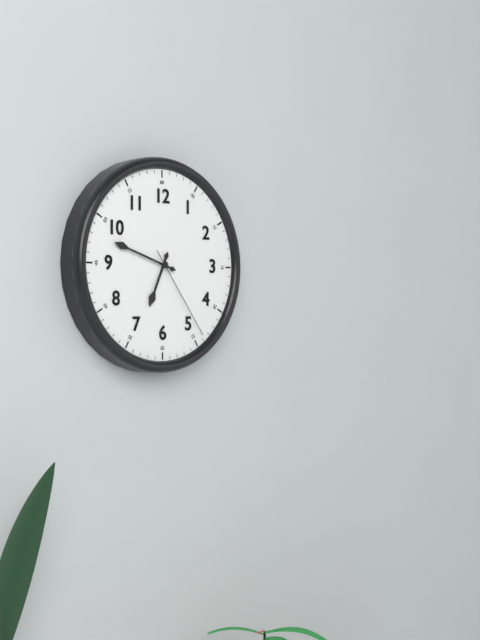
6:48:24
